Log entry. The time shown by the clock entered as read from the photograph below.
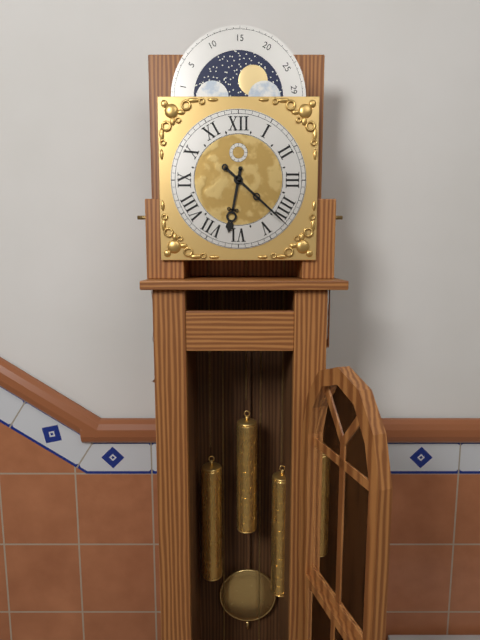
6:22
